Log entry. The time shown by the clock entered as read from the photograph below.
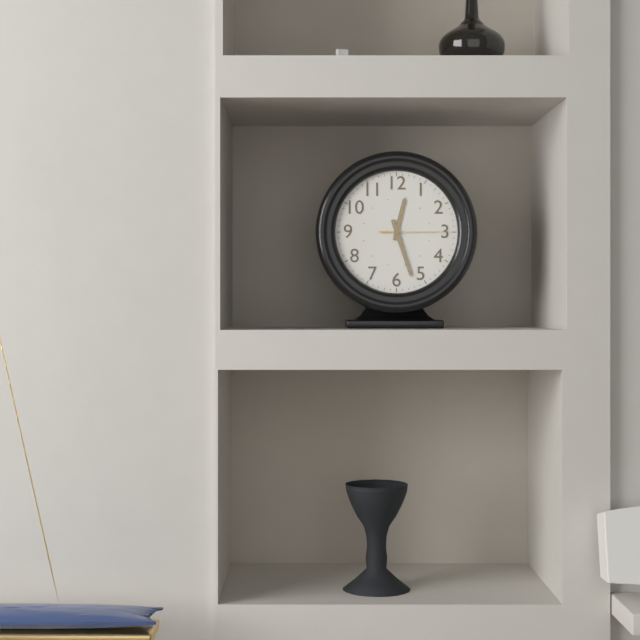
12:27:15
